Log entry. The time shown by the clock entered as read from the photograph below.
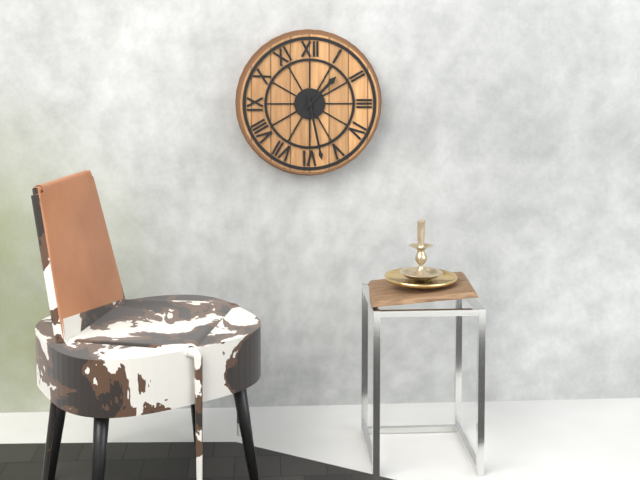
1:28
